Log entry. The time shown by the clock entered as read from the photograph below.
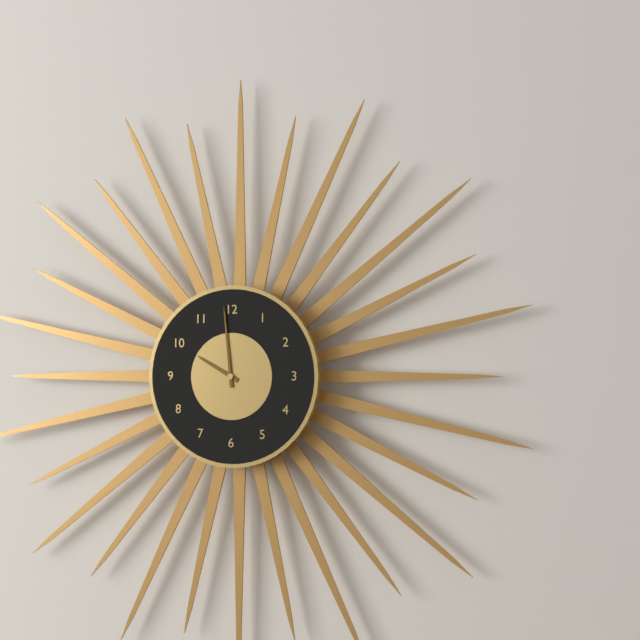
9:59
